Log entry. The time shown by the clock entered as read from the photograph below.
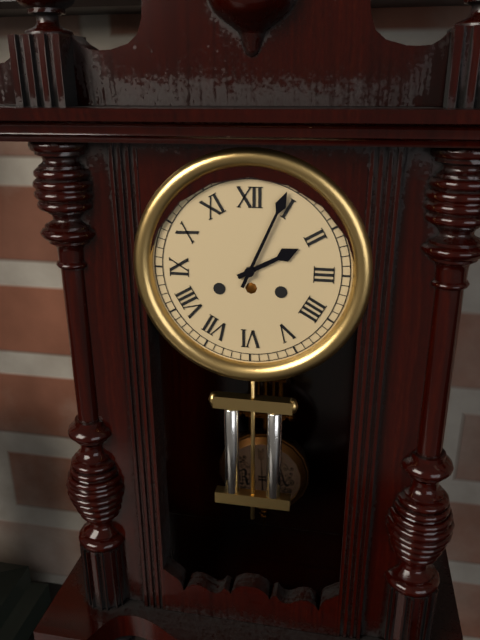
2:04
